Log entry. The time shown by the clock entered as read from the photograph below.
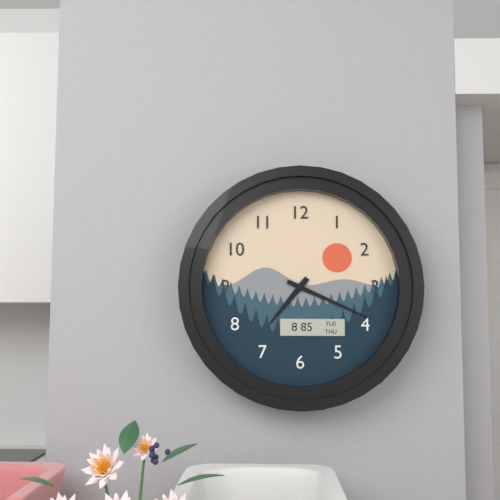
7:19
